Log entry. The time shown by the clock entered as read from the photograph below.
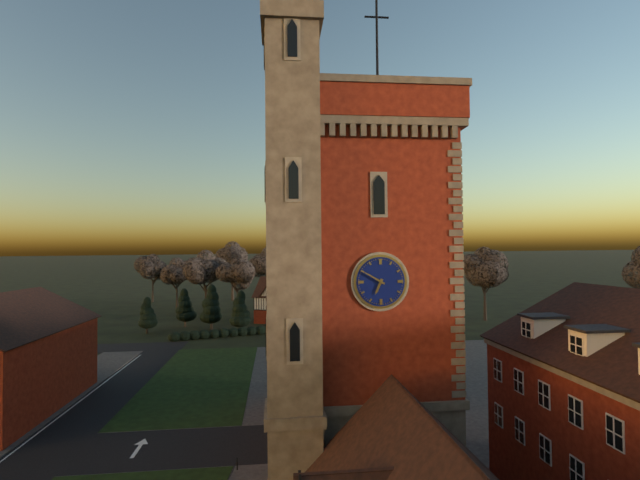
6:50
